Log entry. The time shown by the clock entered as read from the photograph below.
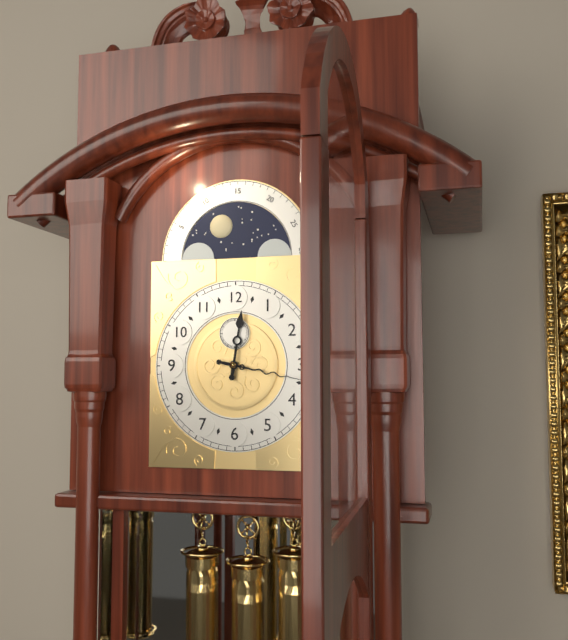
12:17
